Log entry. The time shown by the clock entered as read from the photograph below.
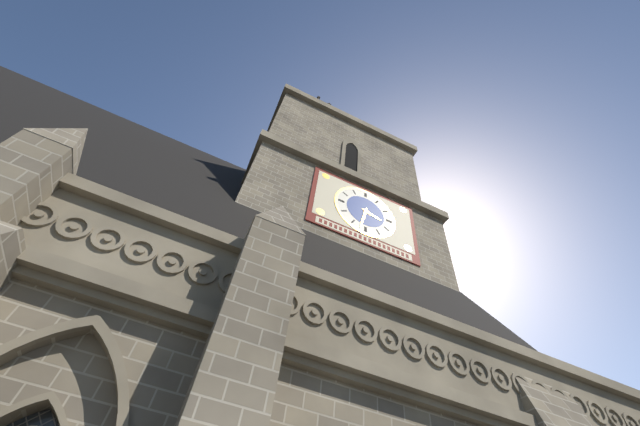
3:32
